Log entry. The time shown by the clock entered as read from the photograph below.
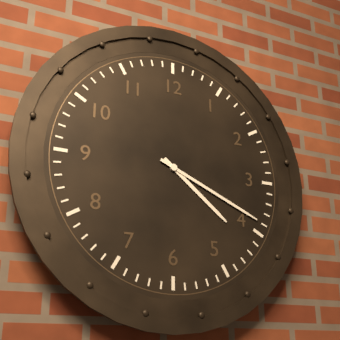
4:19
